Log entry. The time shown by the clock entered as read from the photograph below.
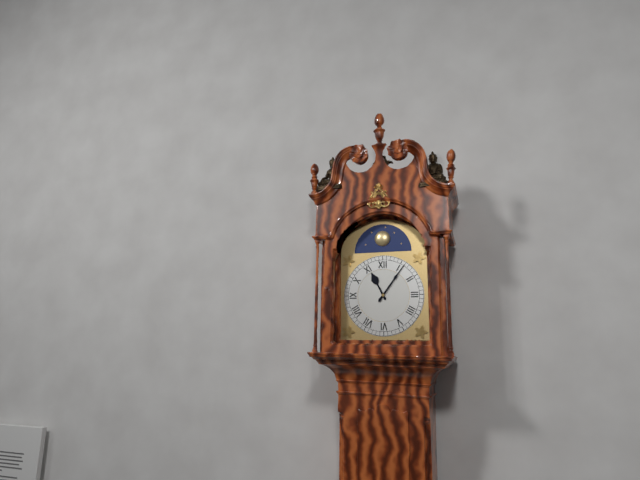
11:06
